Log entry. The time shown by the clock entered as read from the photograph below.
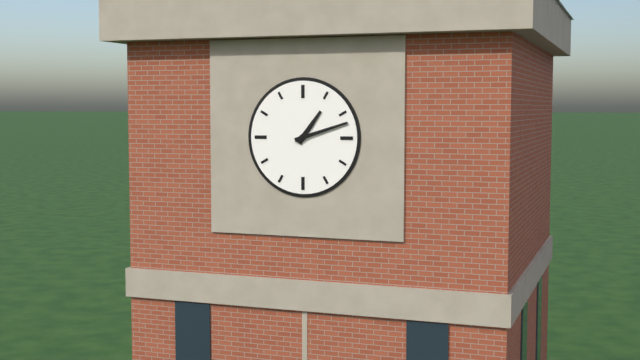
1:12
